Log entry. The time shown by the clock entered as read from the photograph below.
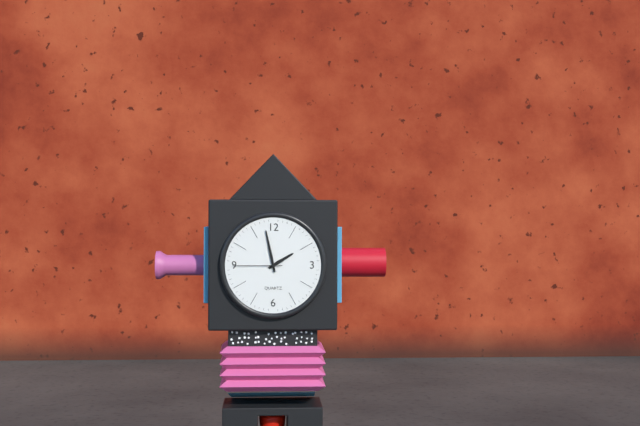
1:58:45
